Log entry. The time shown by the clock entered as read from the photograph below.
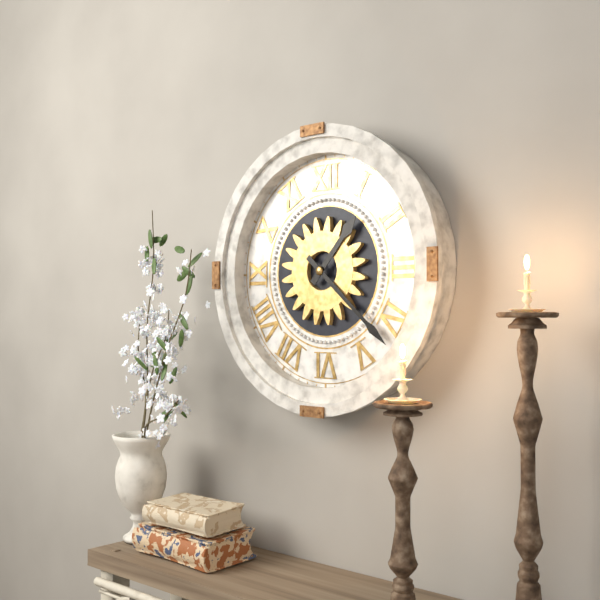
1:22
